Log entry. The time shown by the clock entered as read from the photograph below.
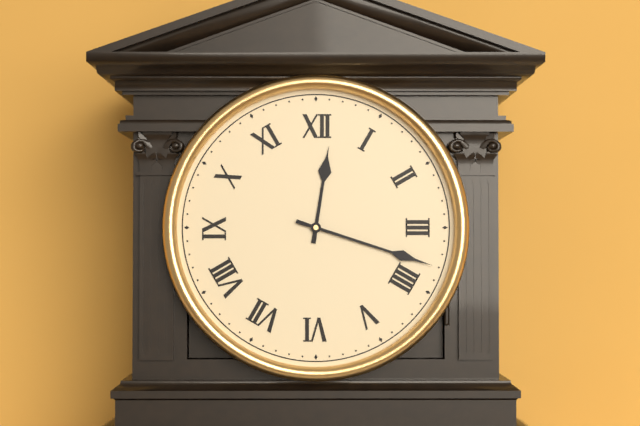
12:18
